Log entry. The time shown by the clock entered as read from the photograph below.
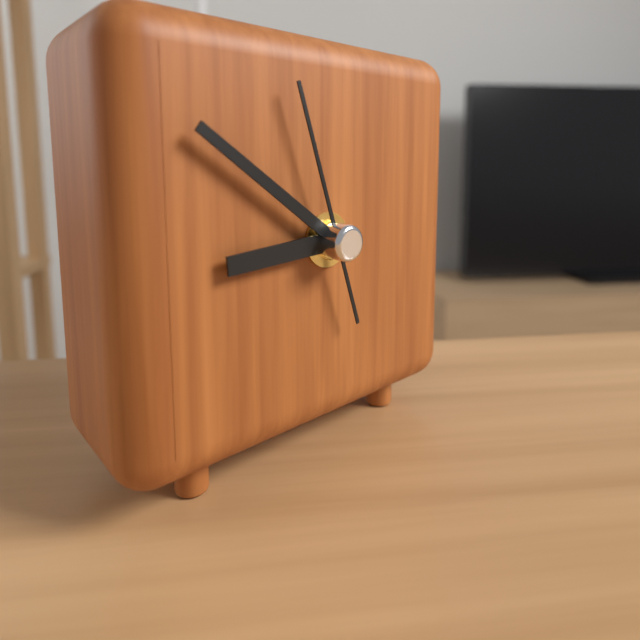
8:51:57
